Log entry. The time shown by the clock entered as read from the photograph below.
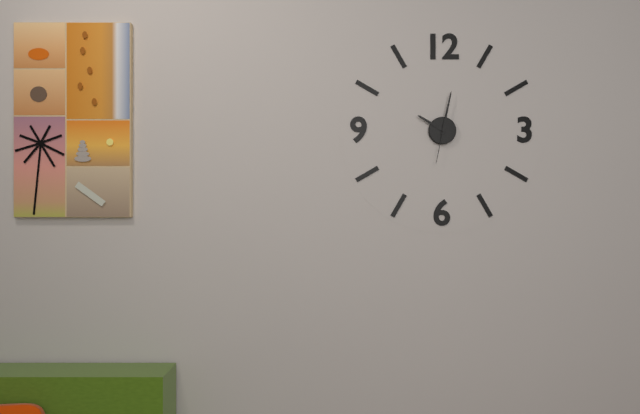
10:02
